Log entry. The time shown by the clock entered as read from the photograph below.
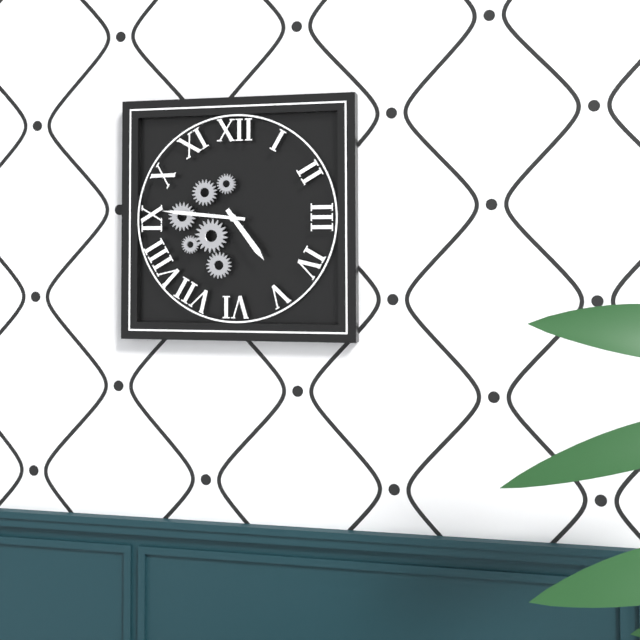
4:46
